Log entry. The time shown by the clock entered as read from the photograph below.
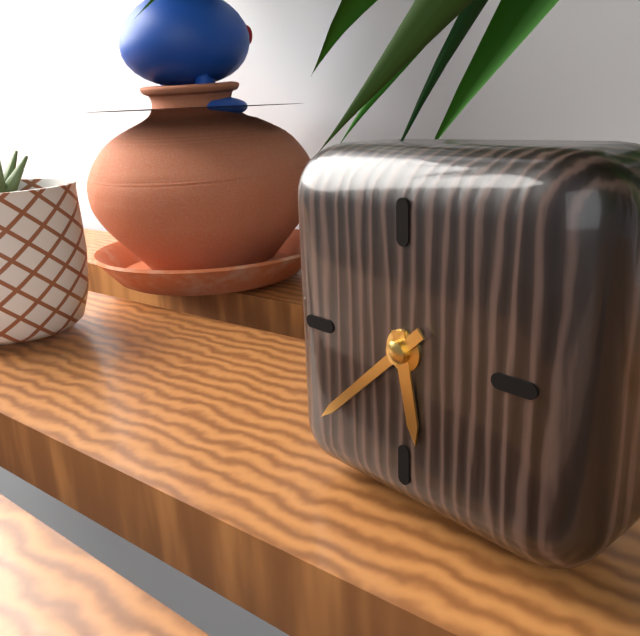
5:38
